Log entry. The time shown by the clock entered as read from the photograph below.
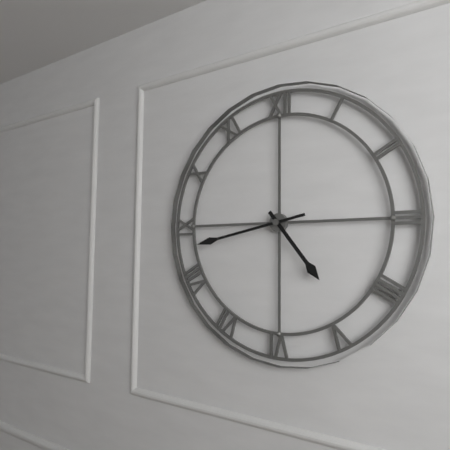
4:43
